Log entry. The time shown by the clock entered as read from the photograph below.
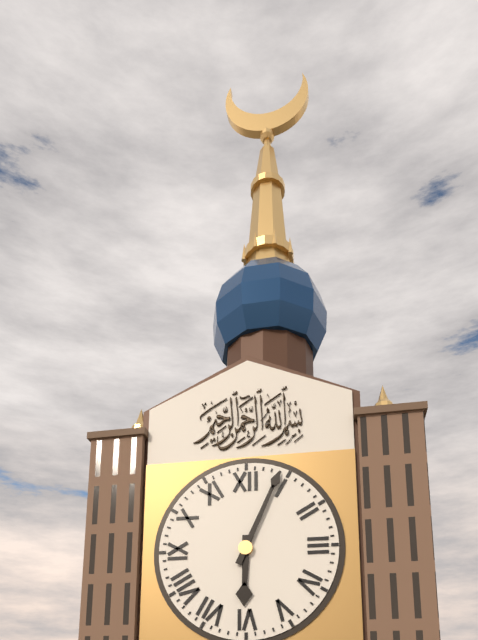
6:04
